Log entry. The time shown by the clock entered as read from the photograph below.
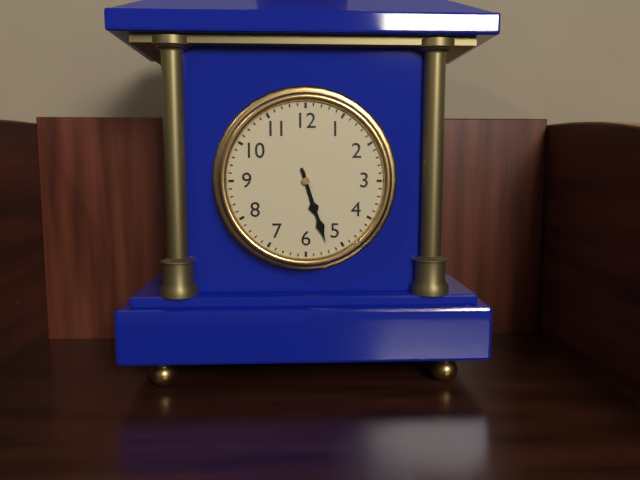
5:27
